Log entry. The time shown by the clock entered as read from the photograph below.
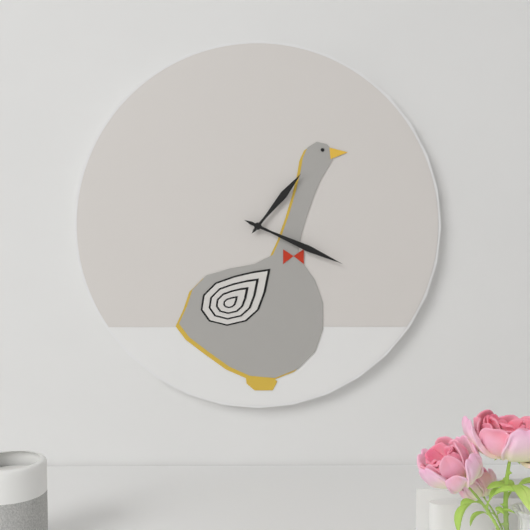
1:19
